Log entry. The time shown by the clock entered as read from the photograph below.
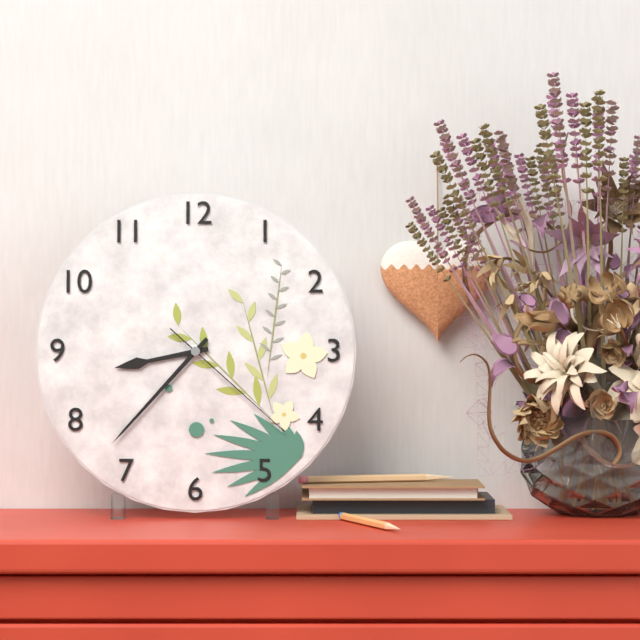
8:37:22
